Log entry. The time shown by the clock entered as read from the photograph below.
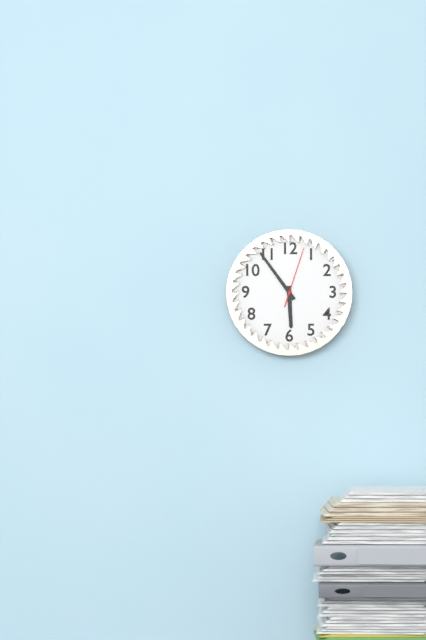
5:54:03
